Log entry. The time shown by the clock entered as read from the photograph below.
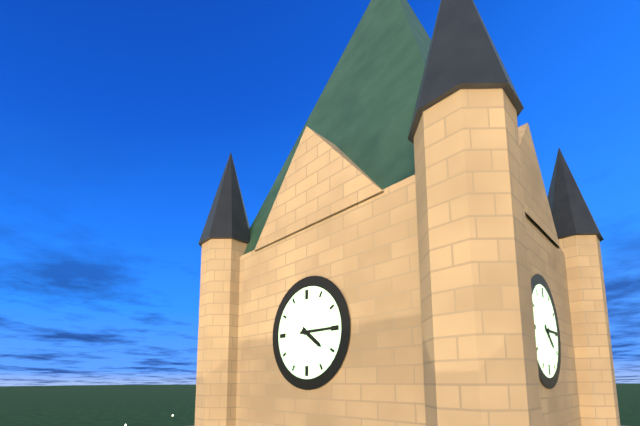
4:15
